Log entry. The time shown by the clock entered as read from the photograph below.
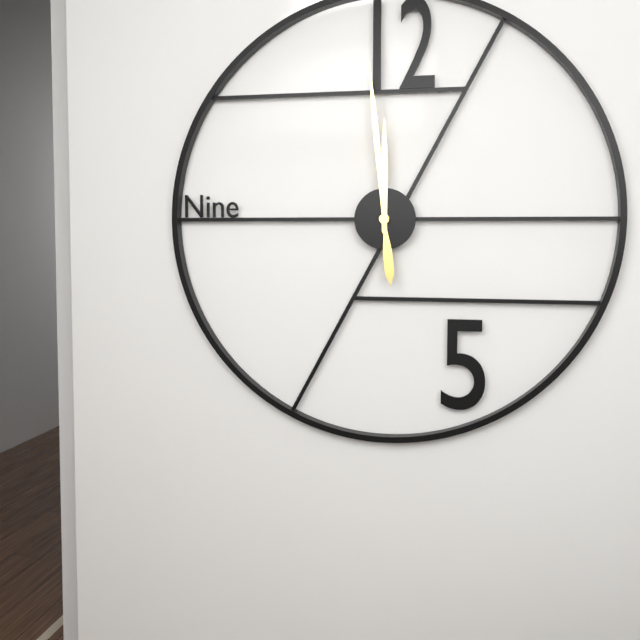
11:59
